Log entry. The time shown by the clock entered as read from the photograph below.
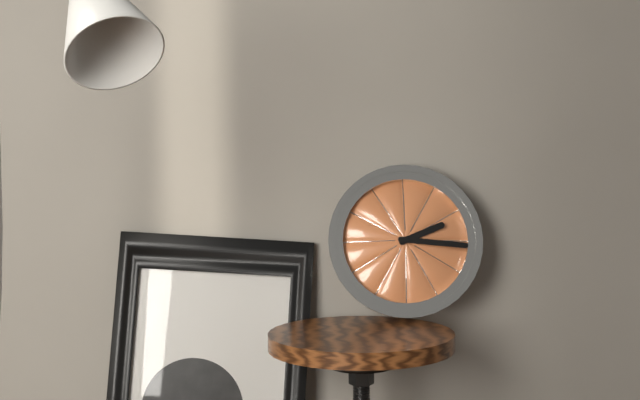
2:16
